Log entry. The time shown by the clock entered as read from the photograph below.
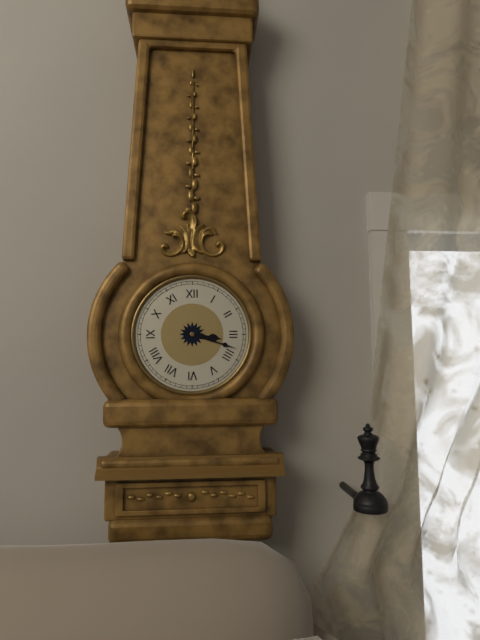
3:18
